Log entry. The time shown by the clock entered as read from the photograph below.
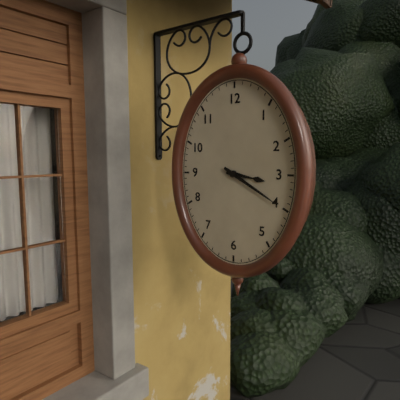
3:20
